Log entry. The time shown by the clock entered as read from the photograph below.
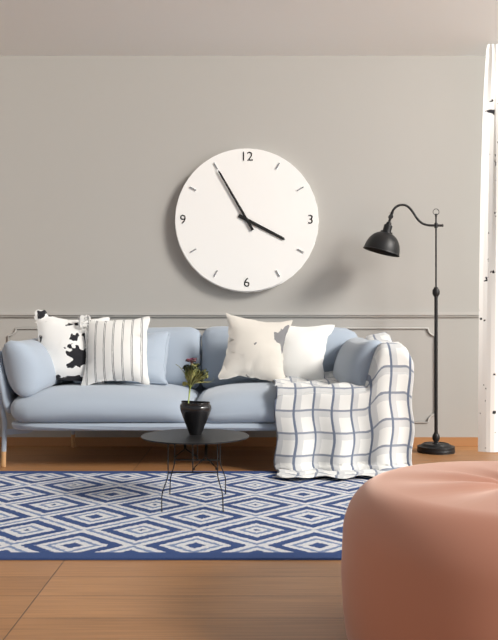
3:55
